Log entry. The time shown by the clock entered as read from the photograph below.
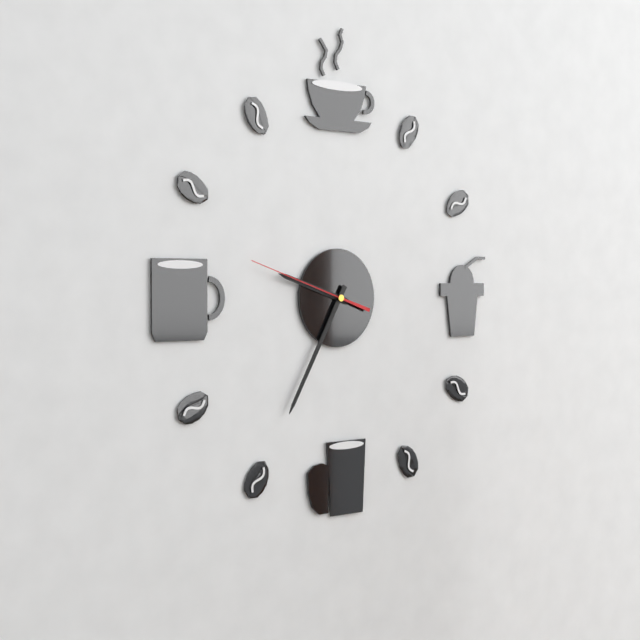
9:35:48
